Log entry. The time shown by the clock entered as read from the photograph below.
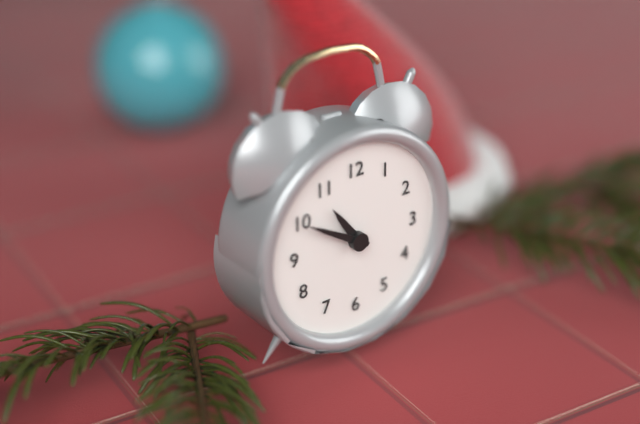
10:50
